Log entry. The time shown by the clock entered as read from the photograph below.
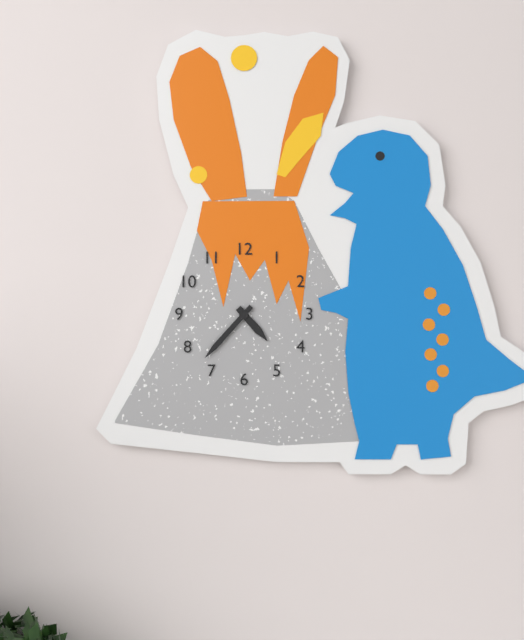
4:37
